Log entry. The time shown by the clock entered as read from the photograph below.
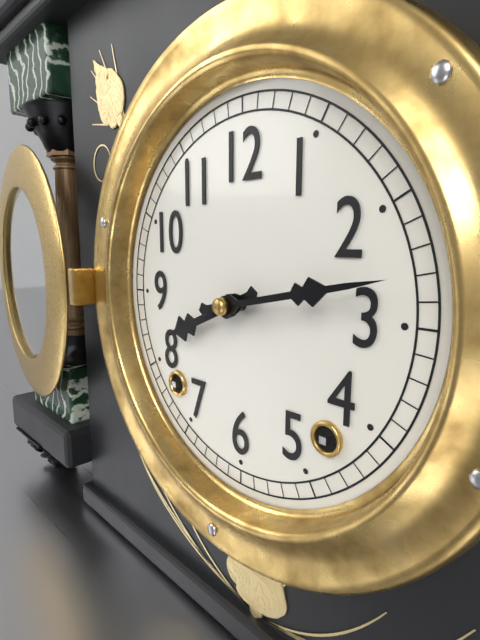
8:13
